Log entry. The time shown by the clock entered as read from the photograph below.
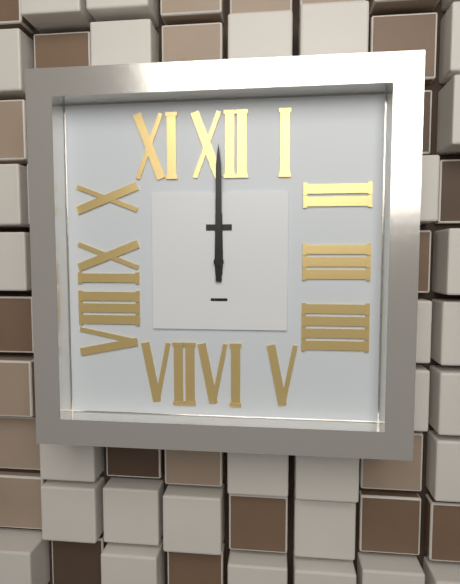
12:00
